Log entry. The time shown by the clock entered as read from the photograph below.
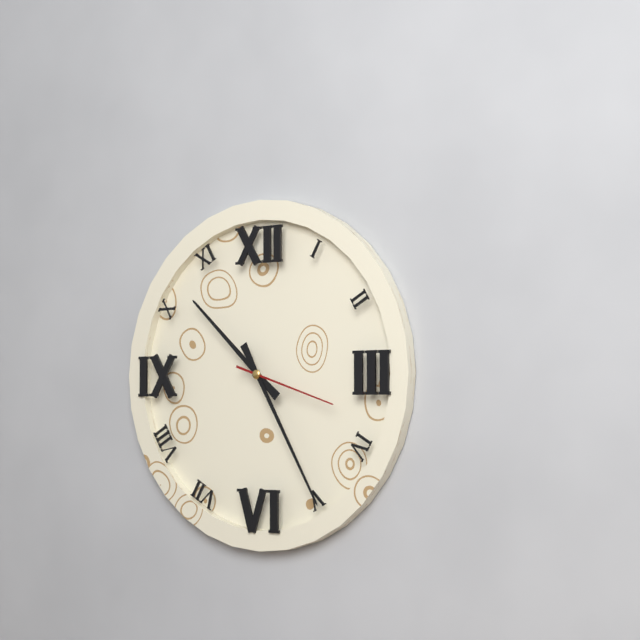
10:25:18
